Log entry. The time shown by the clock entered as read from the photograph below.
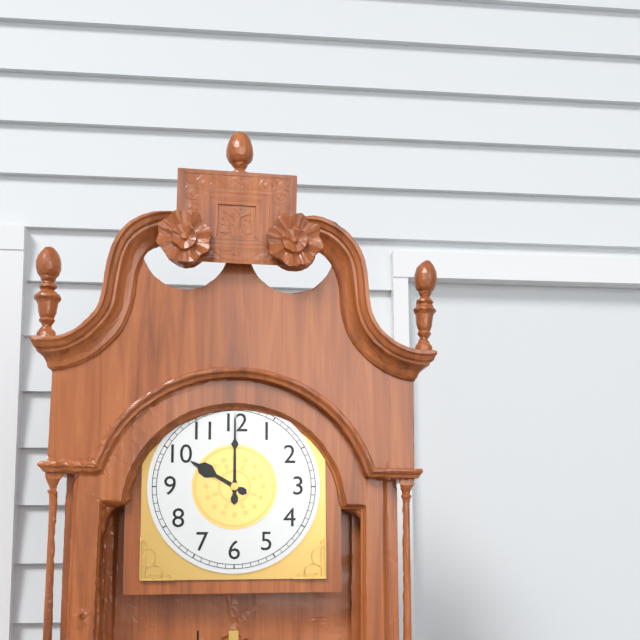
10:00
